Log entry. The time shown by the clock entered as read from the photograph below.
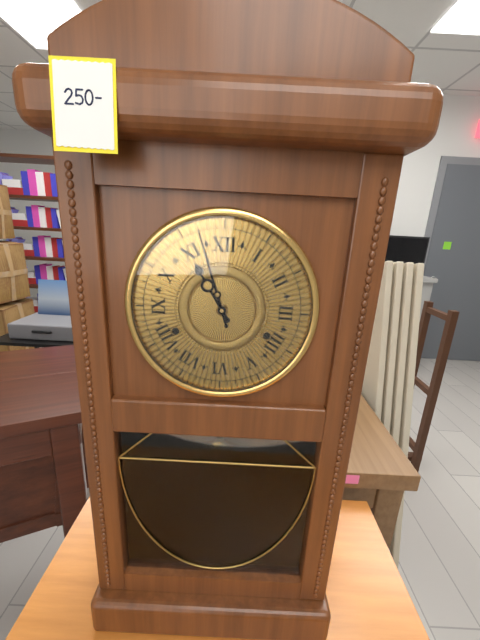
10:57
